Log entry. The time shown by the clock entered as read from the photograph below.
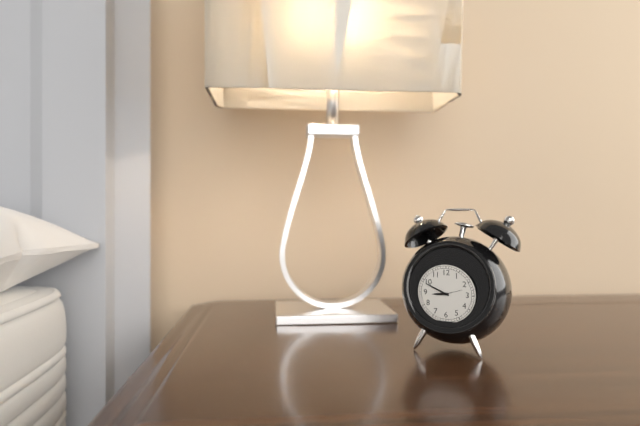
8:49
